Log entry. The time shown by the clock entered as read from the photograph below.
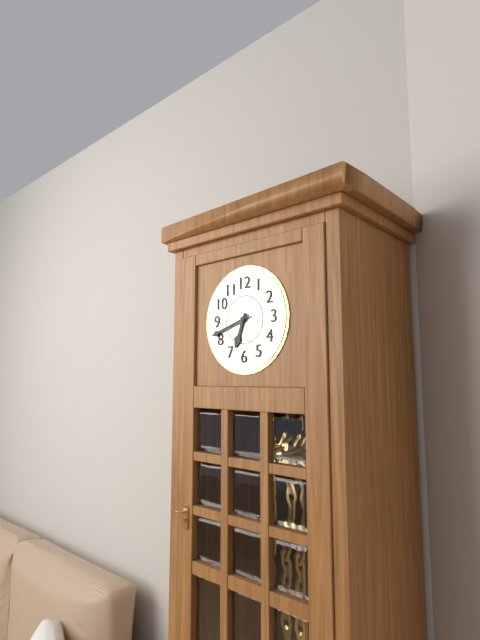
6:42
